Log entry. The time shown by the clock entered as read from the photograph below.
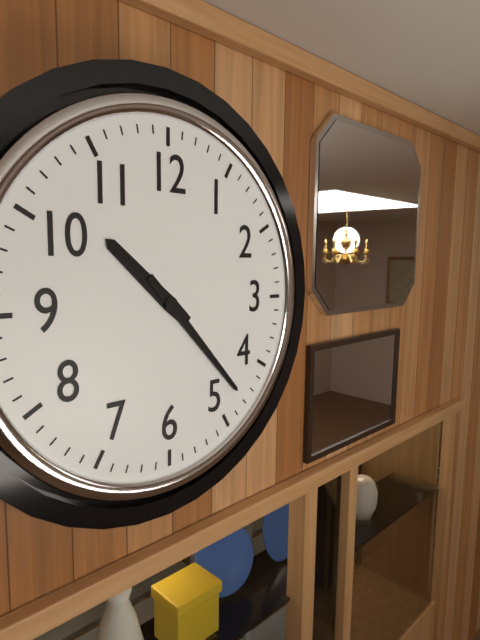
10:23
